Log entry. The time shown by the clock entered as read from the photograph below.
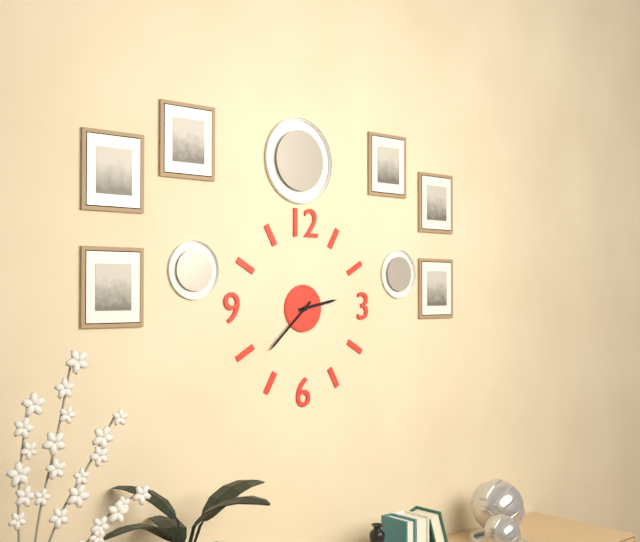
2:38
